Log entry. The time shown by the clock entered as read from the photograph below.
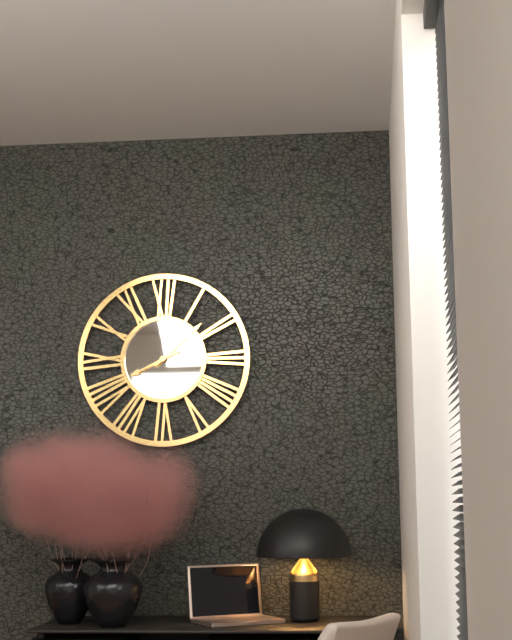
8:08
